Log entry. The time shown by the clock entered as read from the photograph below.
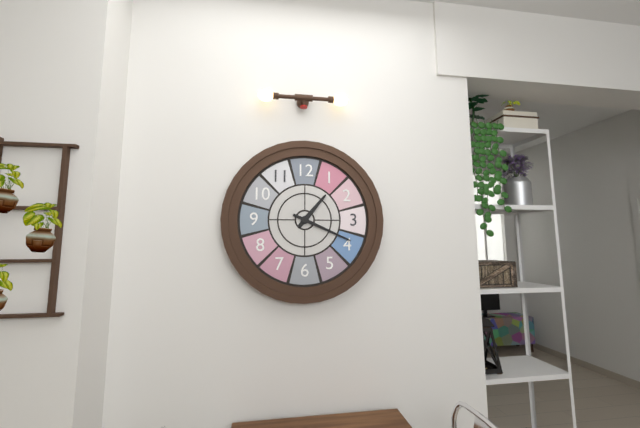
1:19
